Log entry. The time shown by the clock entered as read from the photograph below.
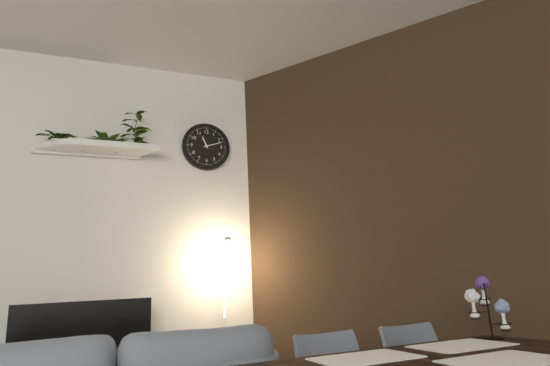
11:12
